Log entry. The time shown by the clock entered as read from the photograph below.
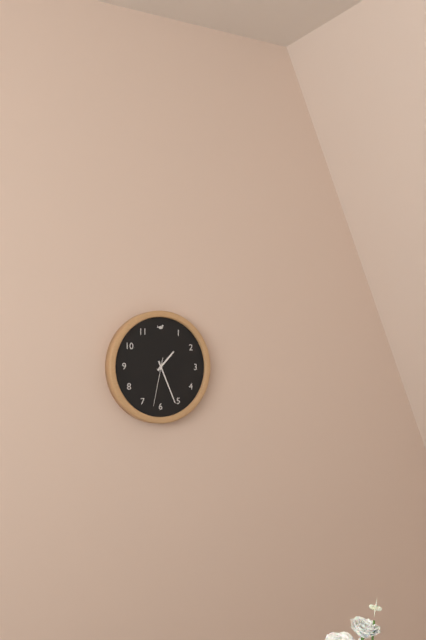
1:26
